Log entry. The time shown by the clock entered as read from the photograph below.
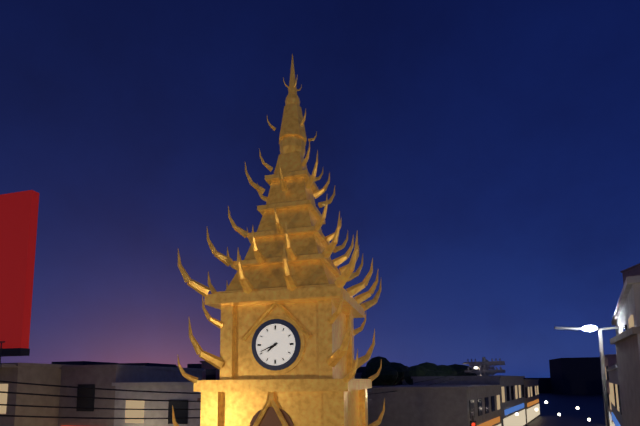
7:41
